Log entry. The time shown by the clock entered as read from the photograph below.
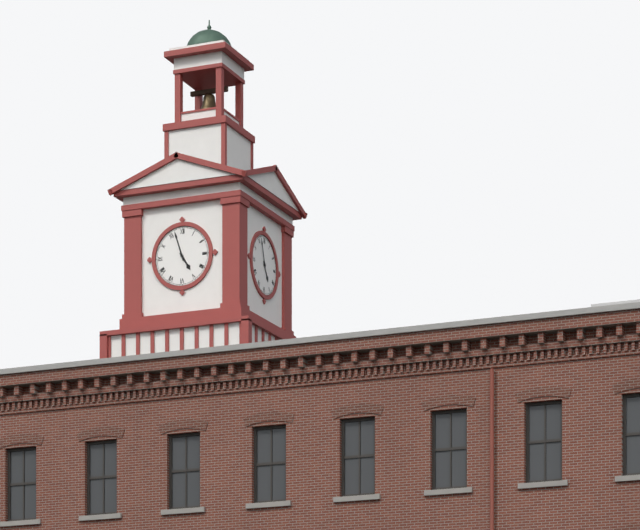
4:57
